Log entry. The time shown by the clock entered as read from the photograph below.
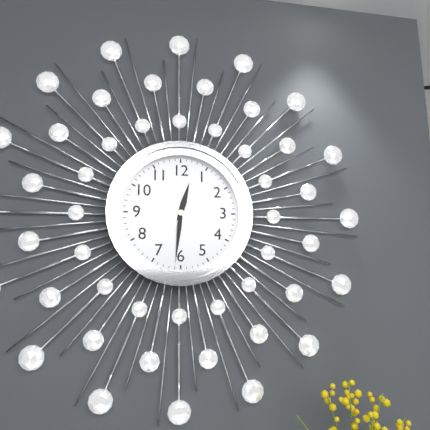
12:31
